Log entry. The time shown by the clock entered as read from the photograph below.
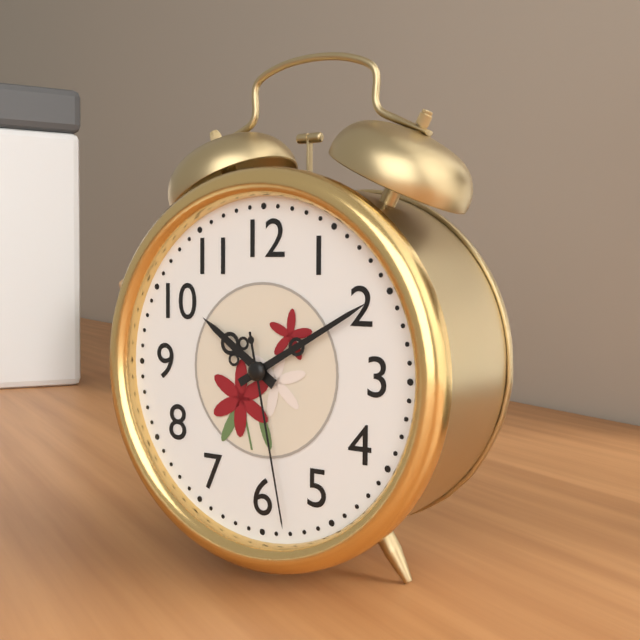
10:10:28
